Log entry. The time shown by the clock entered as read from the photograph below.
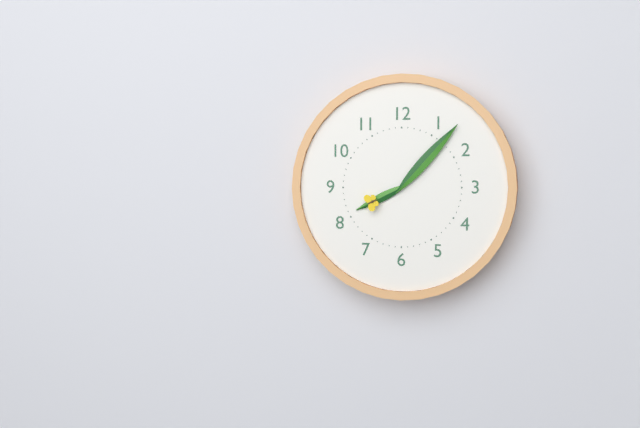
8:07
